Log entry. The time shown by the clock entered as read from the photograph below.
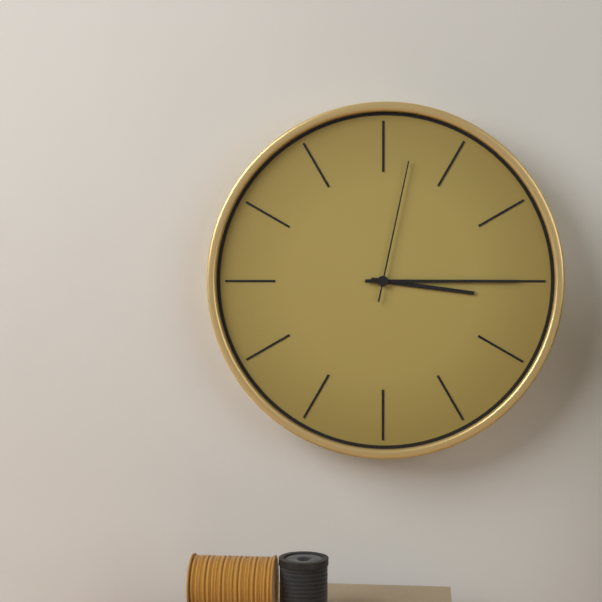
3:15:02
